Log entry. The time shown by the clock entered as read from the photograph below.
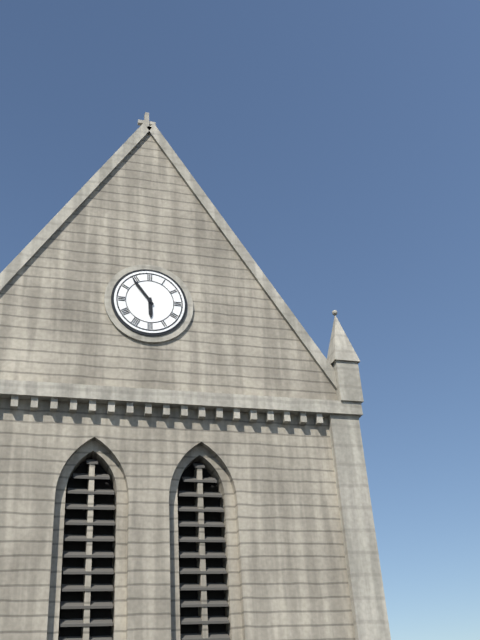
5:54
